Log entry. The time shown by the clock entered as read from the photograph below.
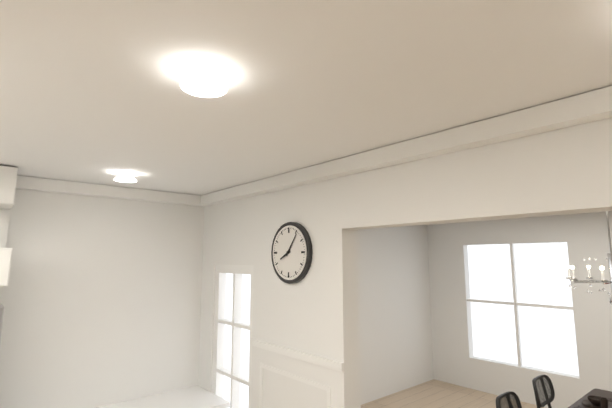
8:06
